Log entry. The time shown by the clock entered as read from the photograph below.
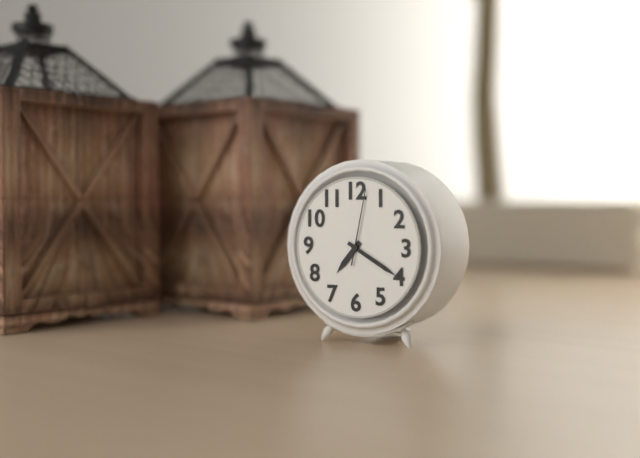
7:20:02
